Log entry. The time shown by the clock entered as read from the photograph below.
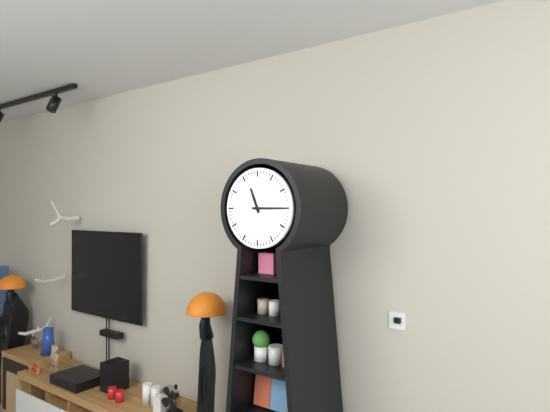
11:15
